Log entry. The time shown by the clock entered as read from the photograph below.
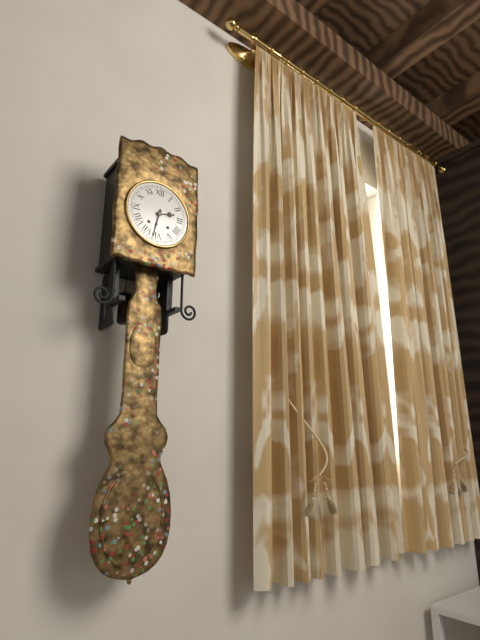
2:32
